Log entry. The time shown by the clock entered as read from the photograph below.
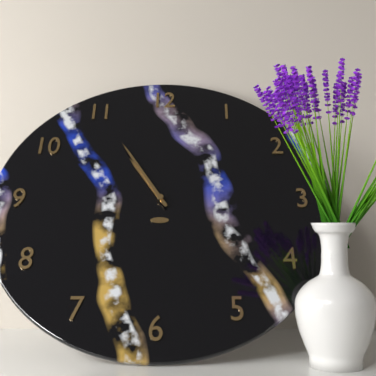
10:55
